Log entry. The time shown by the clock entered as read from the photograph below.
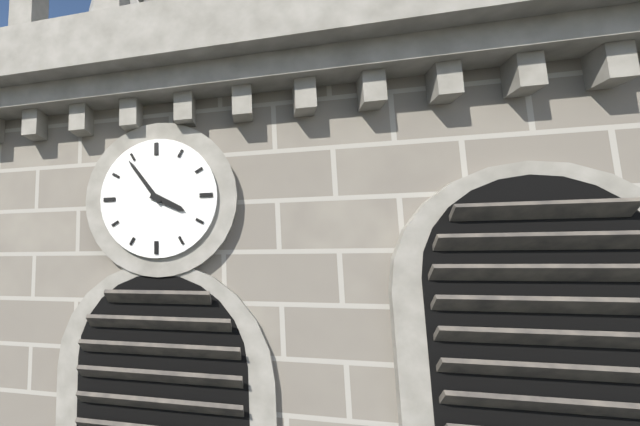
3:54
